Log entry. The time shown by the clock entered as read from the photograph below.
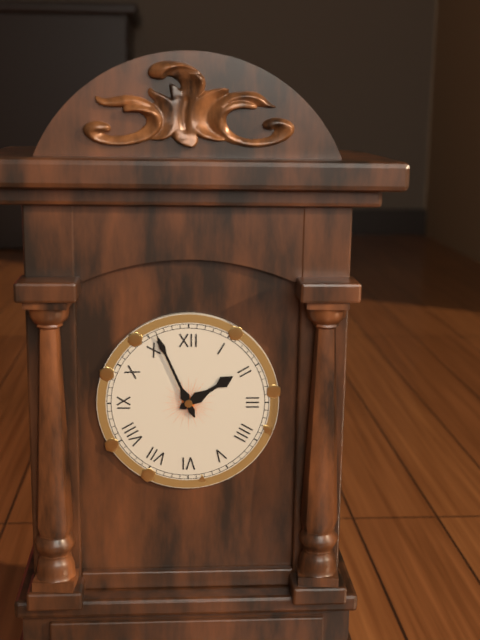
1:56
